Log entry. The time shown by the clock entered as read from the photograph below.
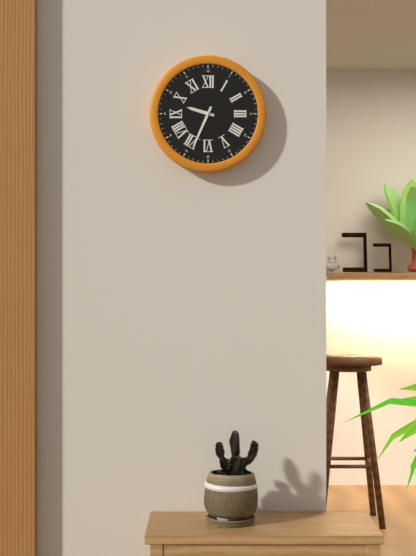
9:34
